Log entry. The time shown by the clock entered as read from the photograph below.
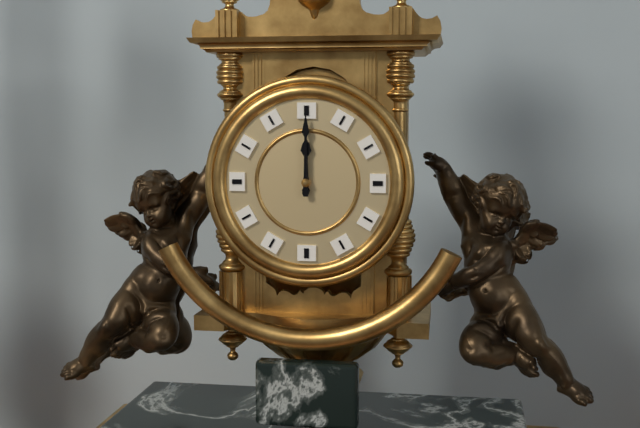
12:00
